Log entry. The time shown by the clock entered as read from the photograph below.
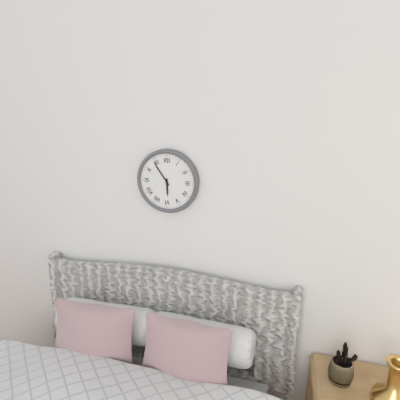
5:54
